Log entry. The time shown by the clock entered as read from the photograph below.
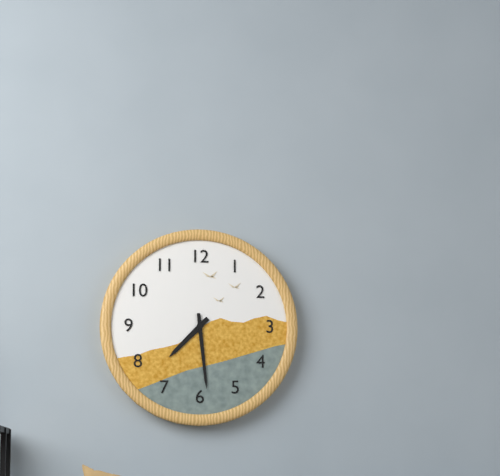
7:29
